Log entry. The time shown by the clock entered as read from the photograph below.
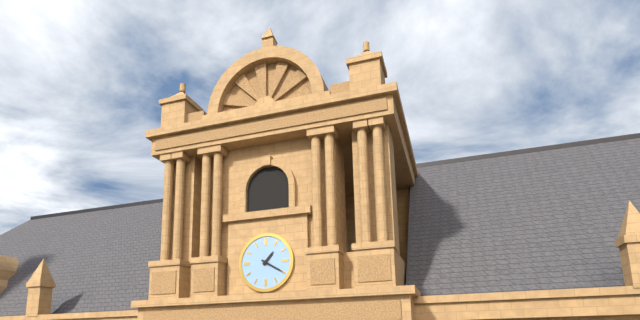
1:20
